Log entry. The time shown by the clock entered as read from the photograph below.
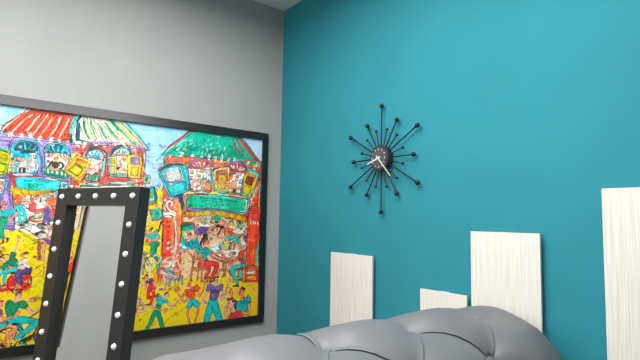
8:23
